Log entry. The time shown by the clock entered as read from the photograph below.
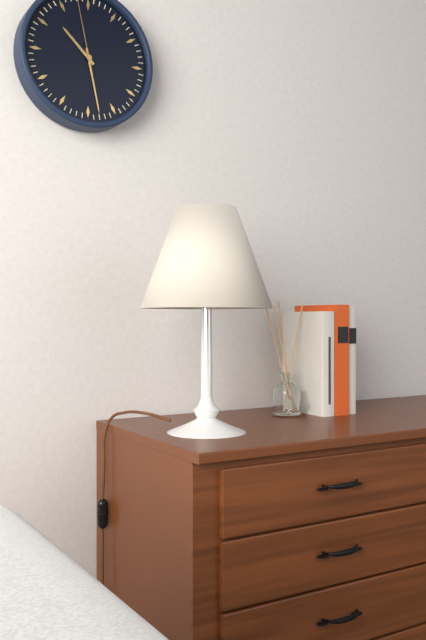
10:28
